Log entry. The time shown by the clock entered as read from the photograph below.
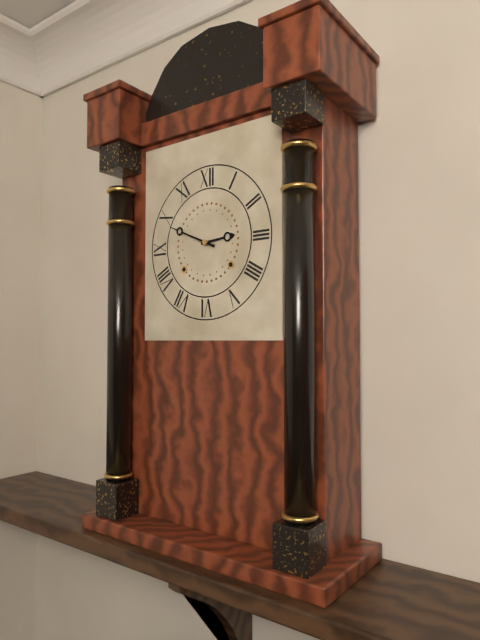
2:49
